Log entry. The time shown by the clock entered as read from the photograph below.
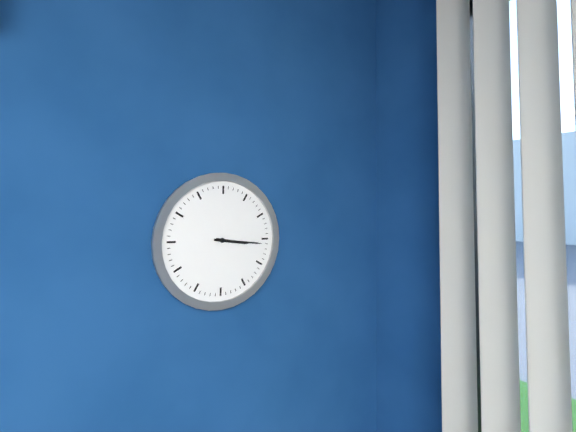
3:16
